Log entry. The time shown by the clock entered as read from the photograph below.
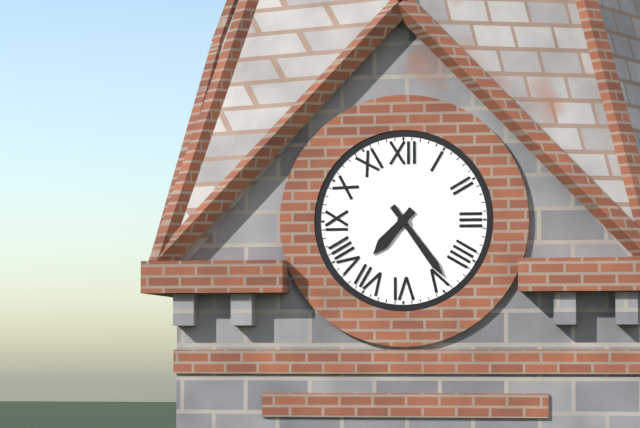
7:24
